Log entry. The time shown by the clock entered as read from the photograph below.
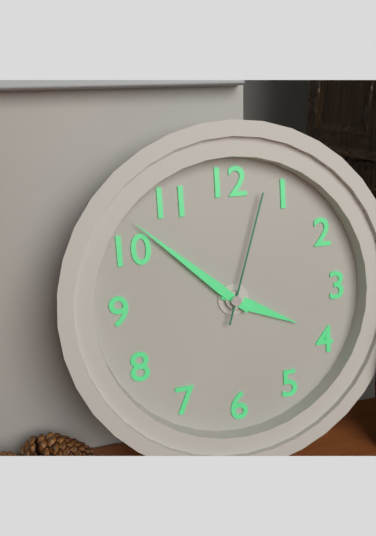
3:52:03
